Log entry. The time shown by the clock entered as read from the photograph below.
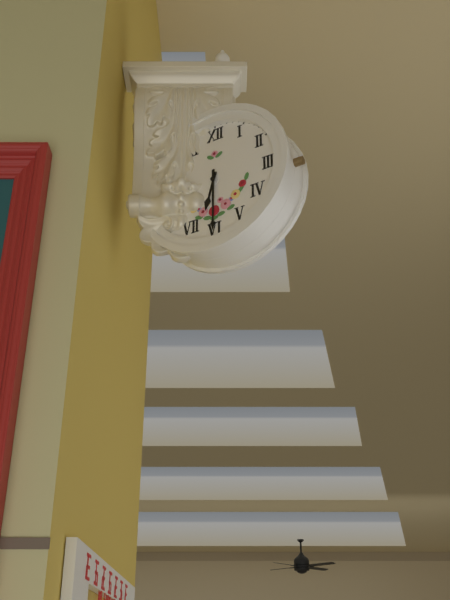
6:30
